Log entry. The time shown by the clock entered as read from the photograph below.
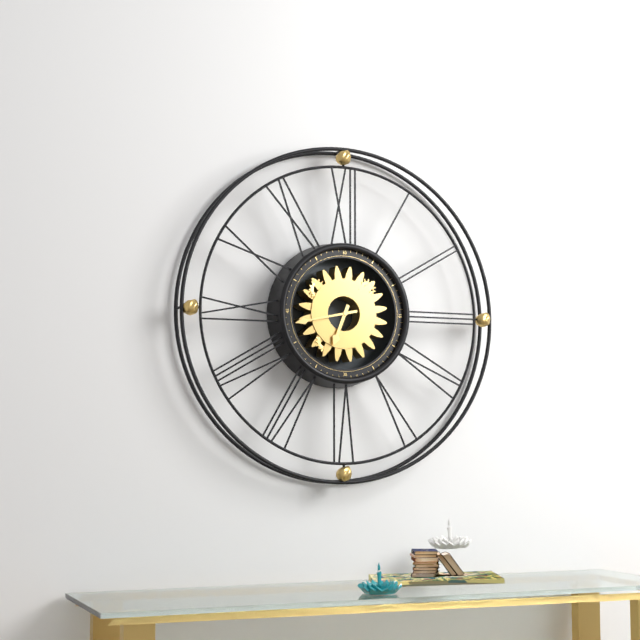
6:43
